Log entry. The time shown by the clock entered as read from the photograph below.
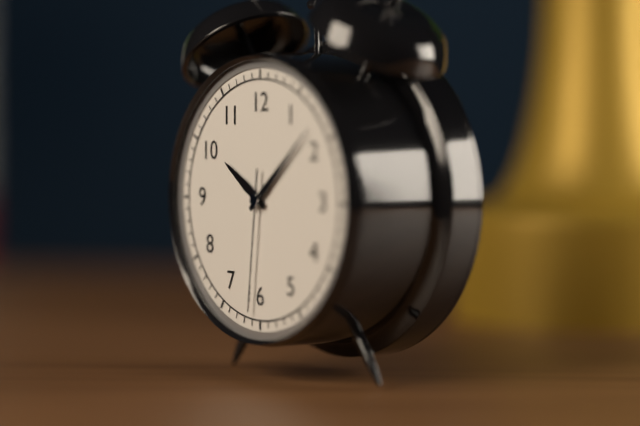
10:08:31
